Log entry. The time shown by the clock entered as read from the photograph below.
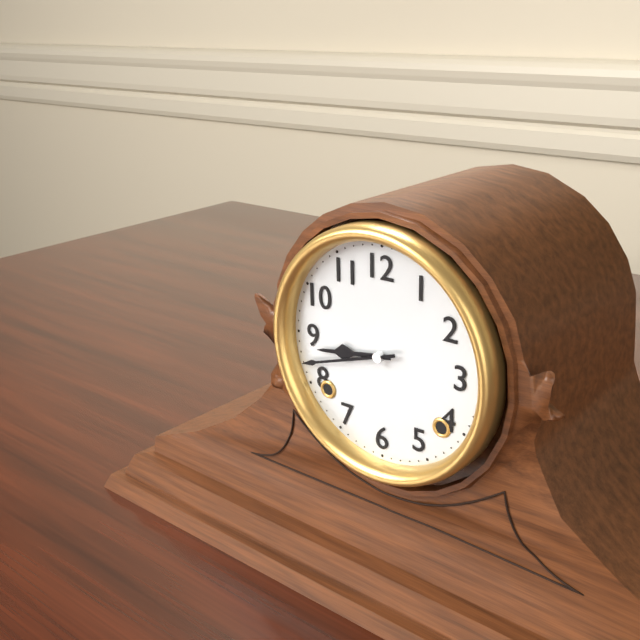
8:42
